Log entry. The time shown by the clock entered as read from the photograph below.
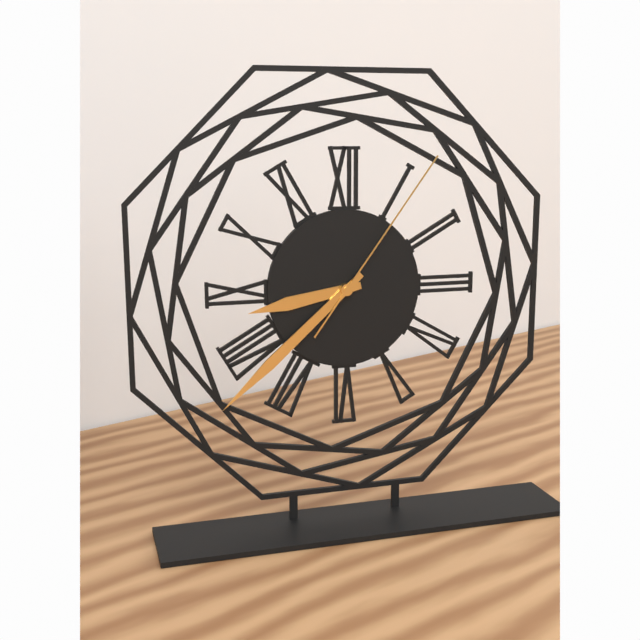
8:38:06
